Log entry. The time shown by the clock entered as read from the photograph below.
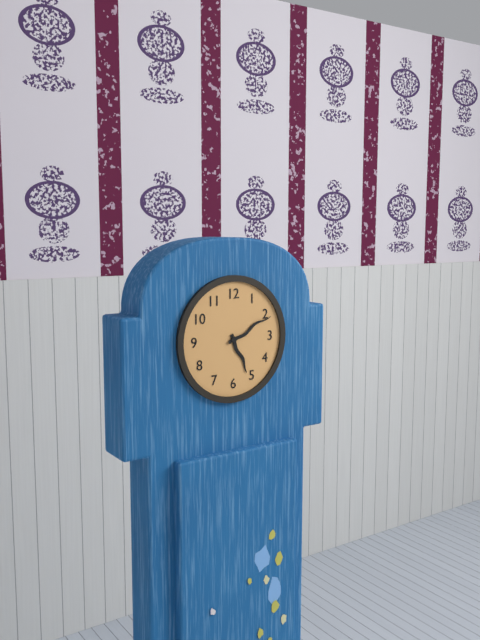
5:11
